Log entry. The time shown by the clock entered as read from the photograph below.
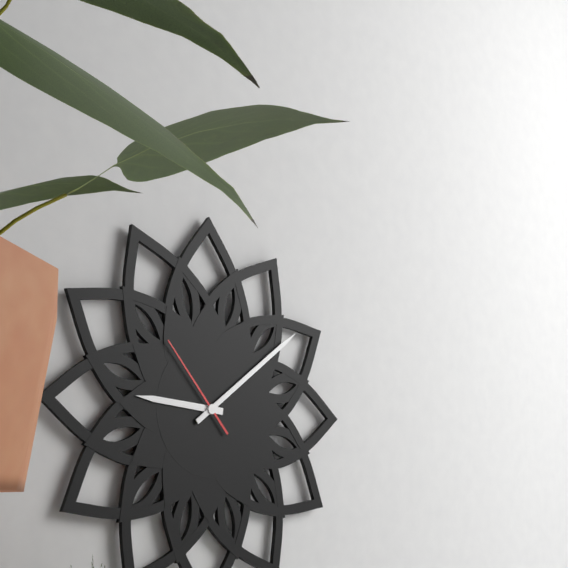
9:09:53
